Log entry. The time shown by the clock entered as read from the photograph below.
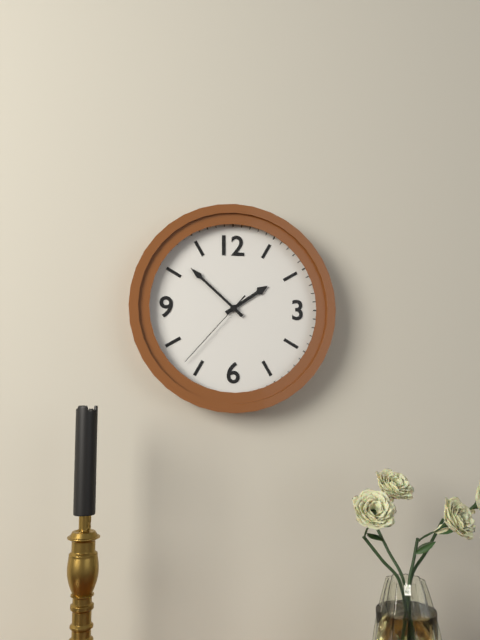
1:52:37
